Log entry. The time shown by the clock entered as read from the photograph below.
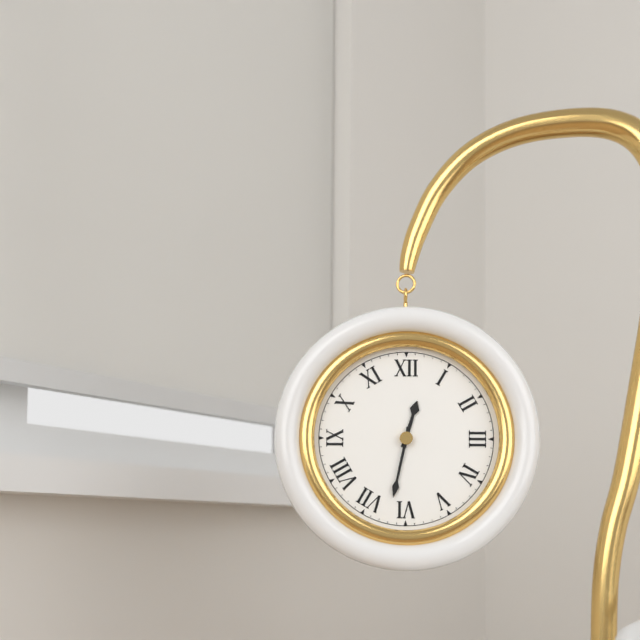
12:32
